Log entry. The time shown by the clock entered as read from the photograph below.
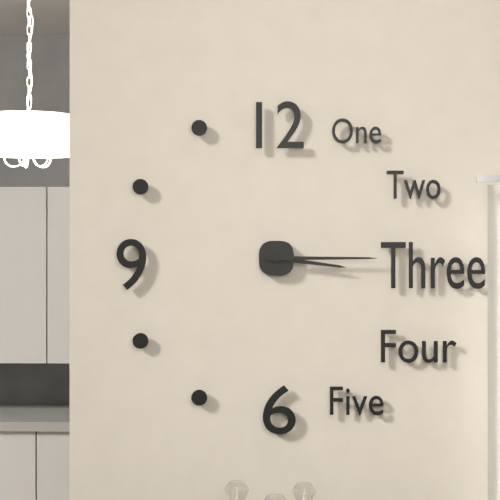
3:15
